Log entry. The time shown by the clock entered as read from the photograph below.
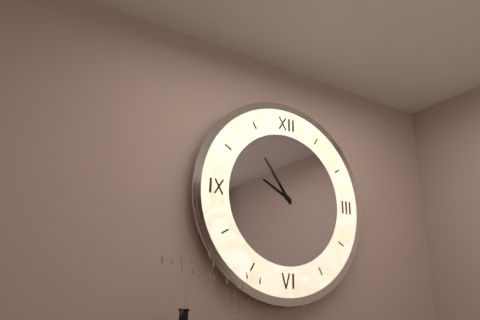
9:54
